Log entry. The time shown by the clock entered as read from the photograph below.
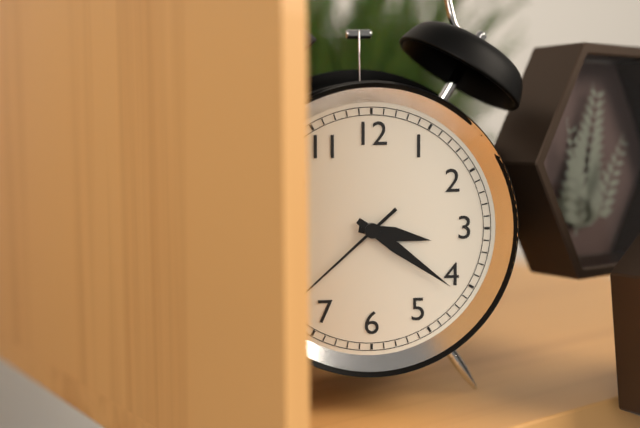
3:21:38
